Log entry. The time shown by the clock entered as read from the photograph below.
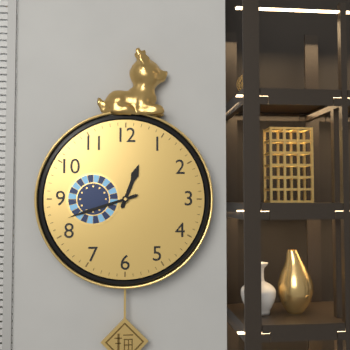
12:42
